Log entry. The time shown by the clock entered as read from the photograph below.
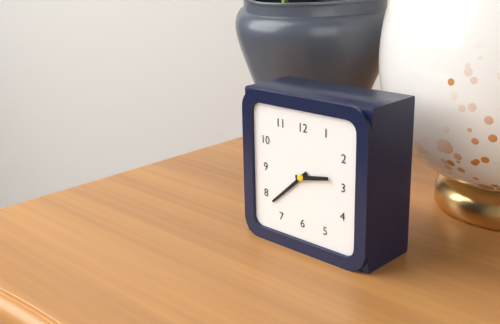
2:38
